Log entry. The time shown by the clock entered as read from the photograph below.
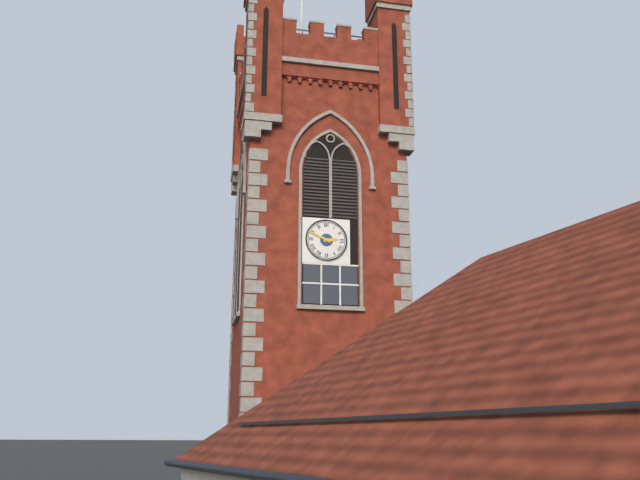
2:49
